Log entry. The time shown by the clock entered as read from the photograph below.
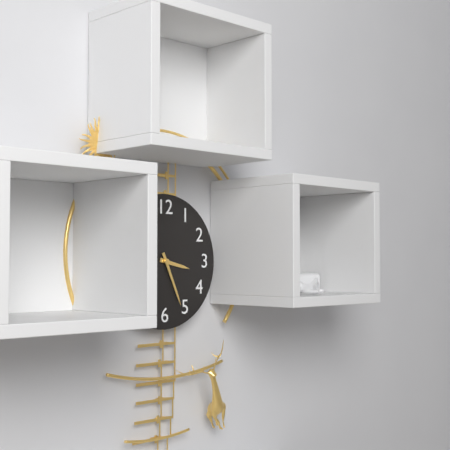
3:26
